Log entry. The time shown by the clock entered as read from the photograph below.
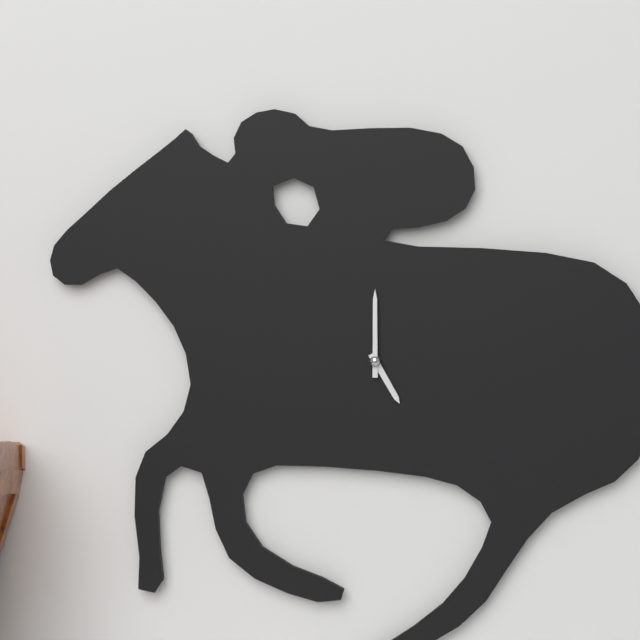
5:00
